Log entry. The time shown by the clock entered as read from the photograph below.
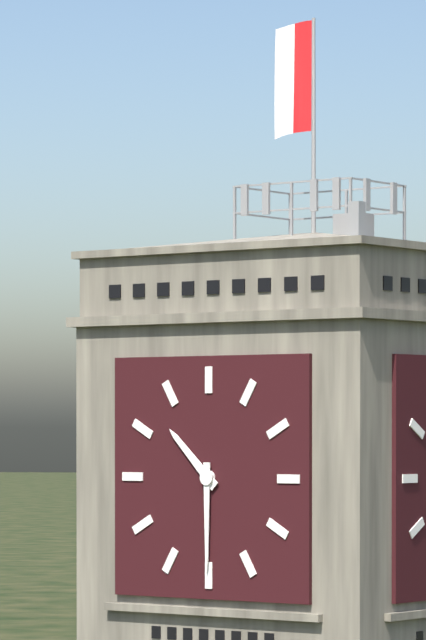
10:30
